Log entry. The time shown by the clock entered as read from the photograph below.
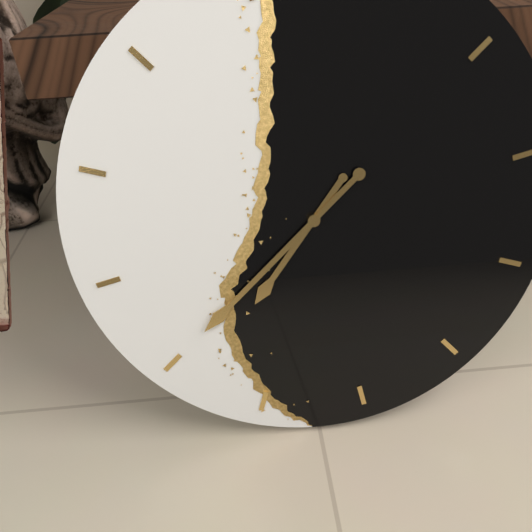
7:40
